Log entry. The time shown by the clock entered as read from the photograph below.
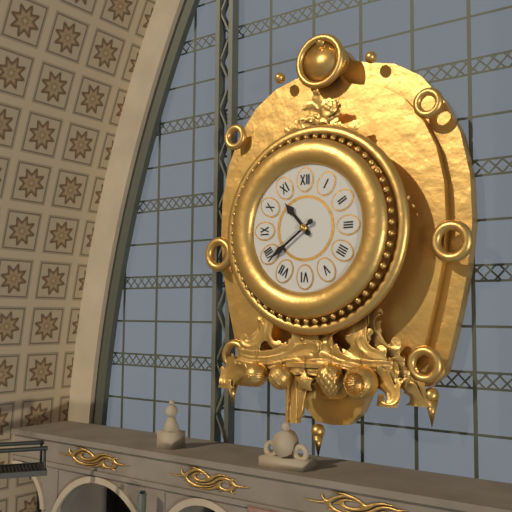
10:39
